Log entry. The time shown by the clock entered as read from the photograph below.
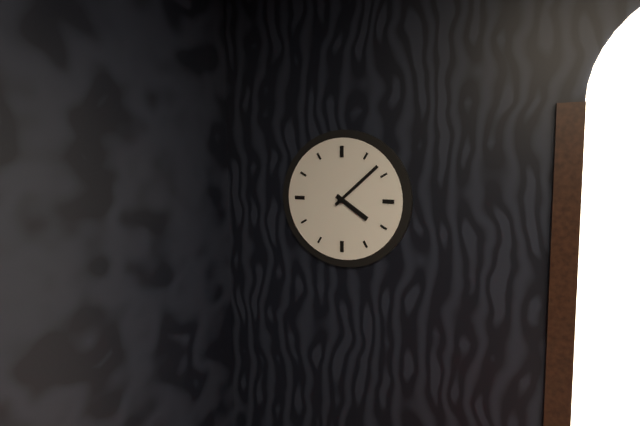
4:08
